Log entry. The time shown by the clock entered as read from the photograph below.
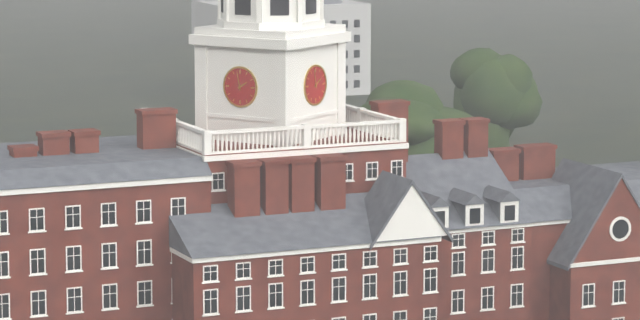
1:58
